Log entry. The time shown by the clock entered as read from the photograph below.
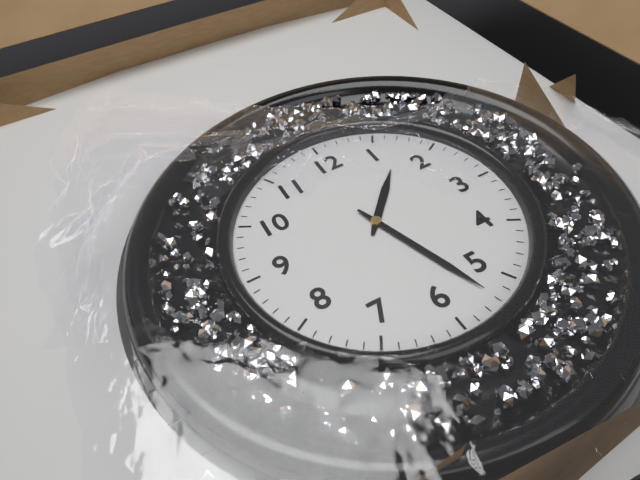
1:27
